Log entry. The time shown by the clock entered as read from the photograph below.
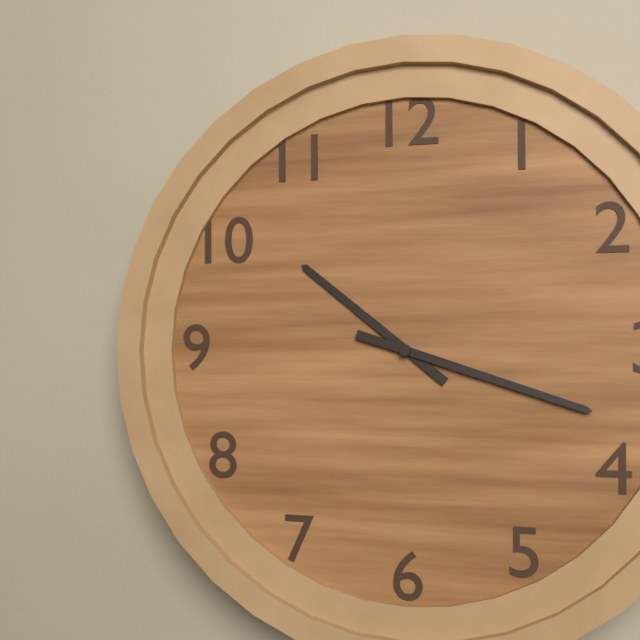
10:18
